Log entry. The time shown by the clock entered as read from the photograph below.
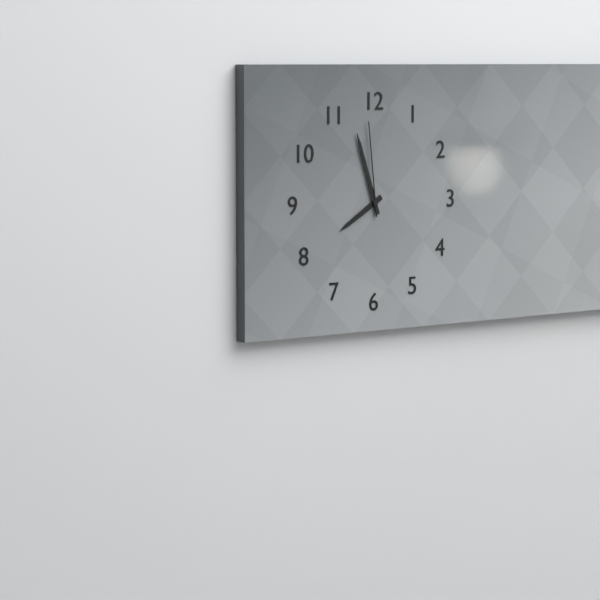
7:57:59
